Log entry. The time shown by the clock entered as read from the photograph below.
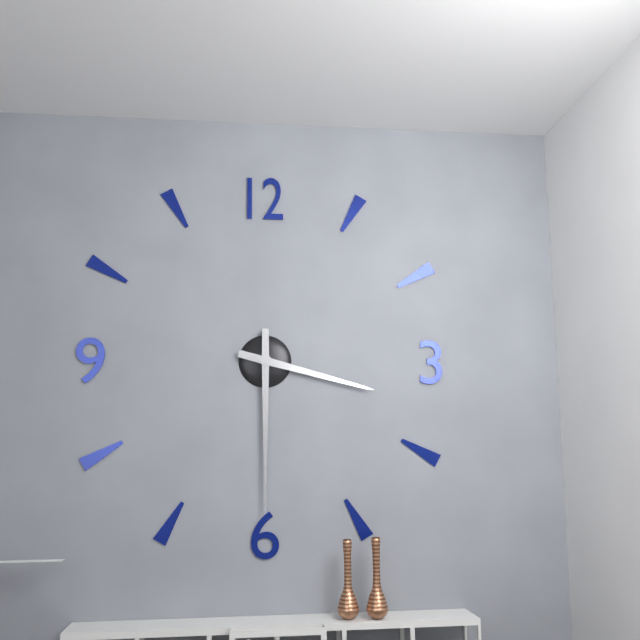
3:30
